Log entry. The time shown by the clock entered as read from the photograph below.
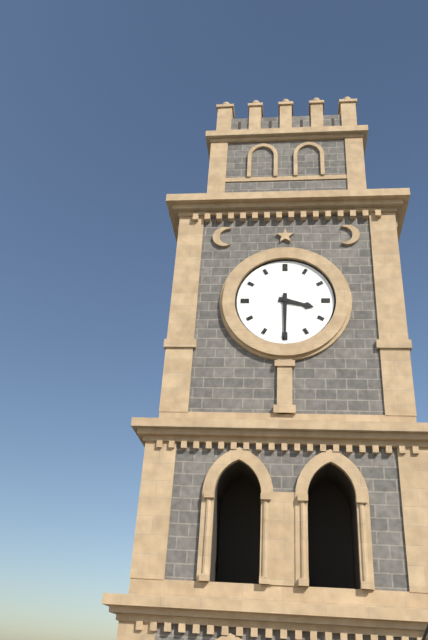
3:30
